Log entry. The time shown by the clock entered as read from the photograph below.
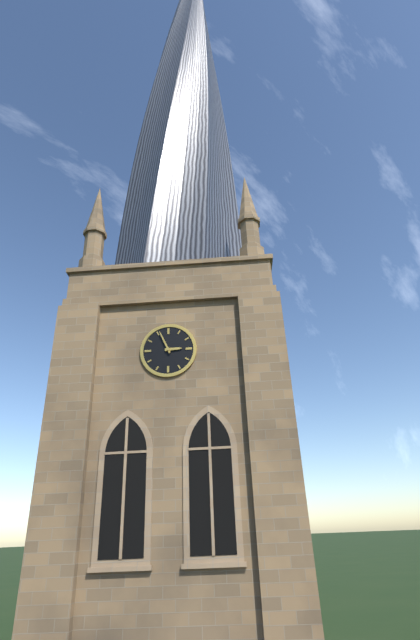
2:56
